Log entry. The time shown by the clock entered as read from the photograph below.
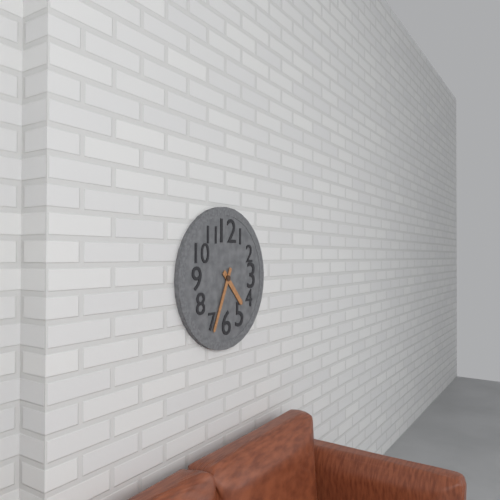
4:34
